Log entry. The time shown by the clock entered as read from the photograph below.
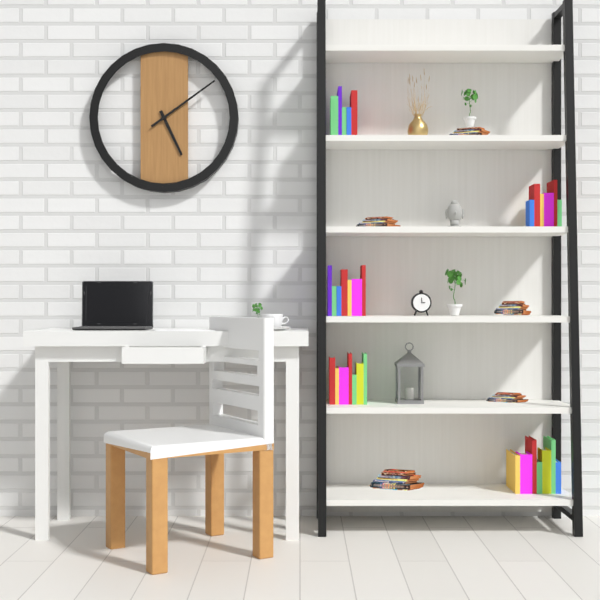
5:09
